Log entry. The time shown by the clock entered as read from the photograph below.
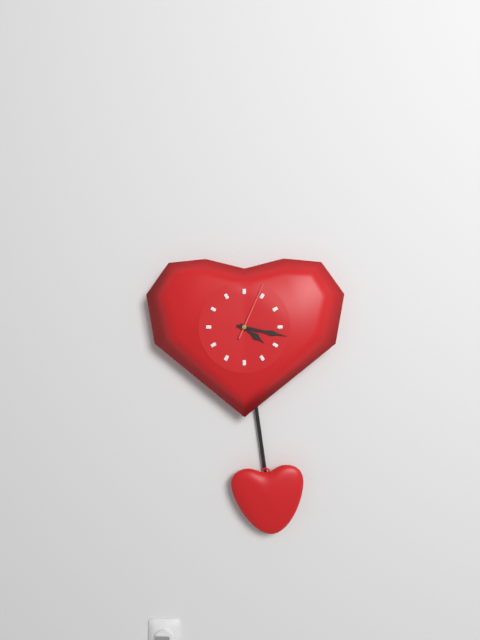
4:17:04
